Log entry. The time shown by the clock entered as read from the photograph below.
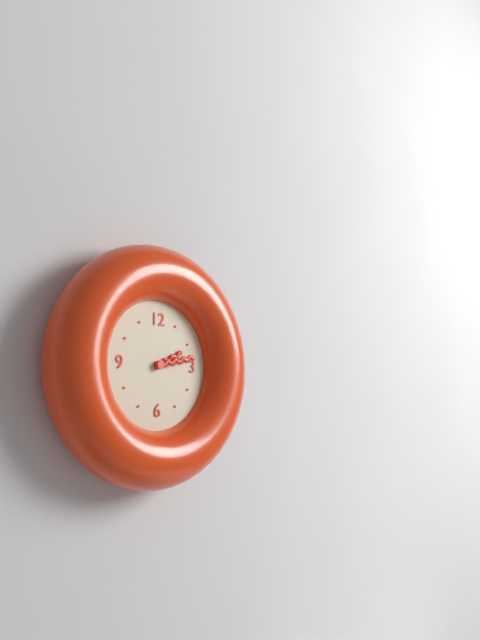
2:13
